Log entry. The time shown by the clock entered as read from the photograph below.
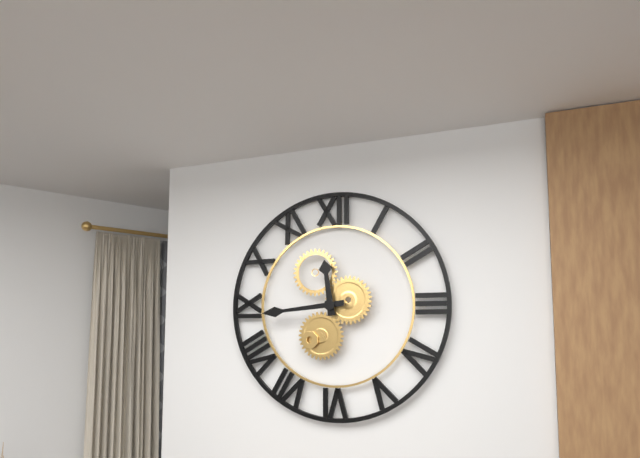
11:44
